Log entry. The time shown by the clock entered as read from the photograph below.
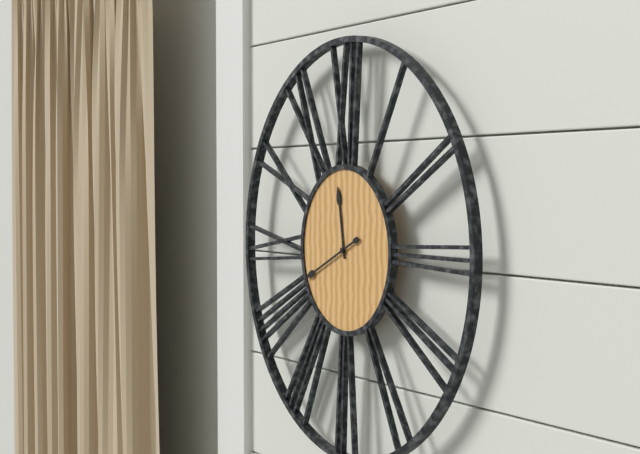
11:41
